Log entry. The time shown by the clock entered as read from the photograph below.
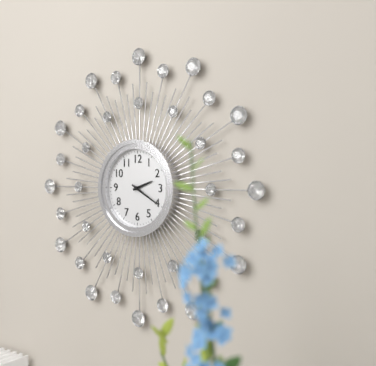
2:20
